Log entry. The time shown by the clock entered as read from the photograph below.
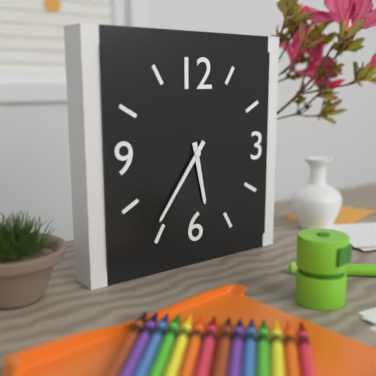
5:36
